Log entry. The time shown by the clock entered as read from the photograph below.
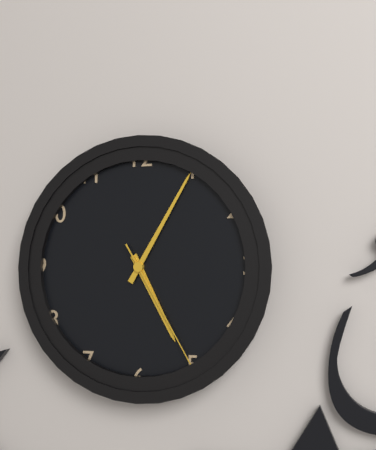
5:05:25
